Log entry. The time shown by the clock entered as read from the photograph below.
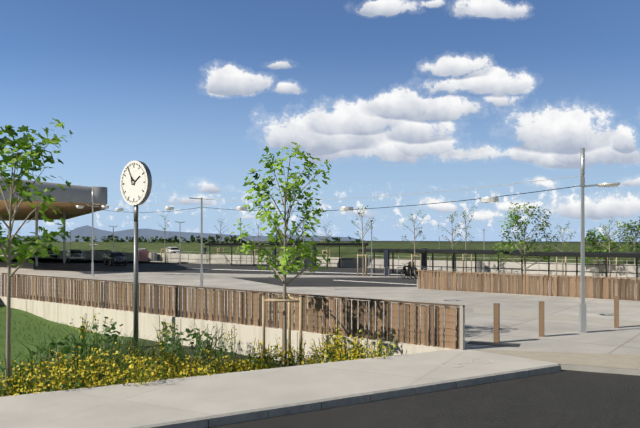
1:55
